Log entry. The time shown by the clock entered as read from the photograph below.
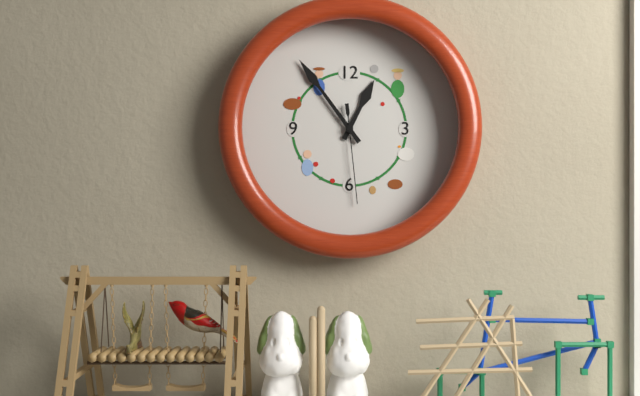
12:54:29
